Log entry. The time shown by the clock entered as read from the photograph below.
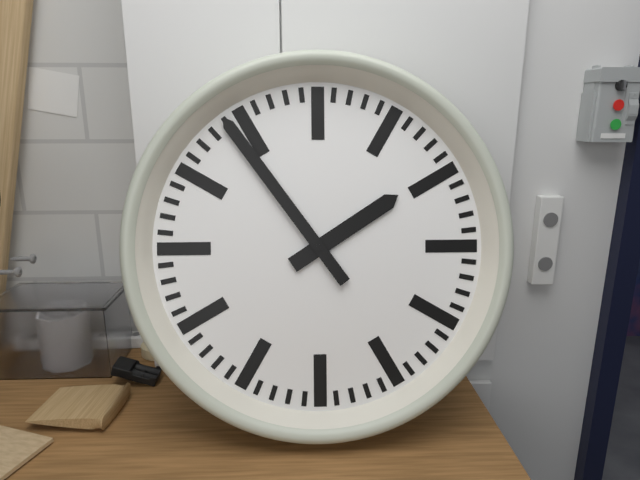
1:54
